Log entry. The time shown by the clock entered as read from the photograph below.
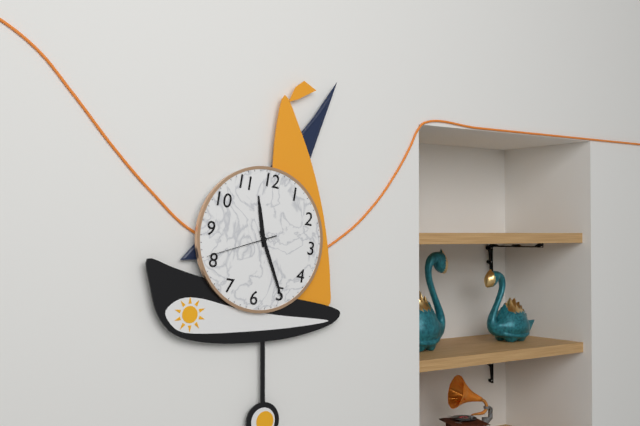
11:25:41
